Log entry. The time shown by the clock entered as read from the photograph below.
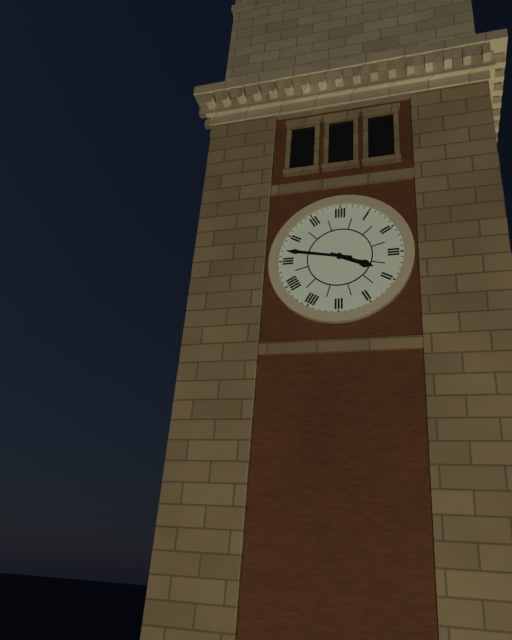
3:47
